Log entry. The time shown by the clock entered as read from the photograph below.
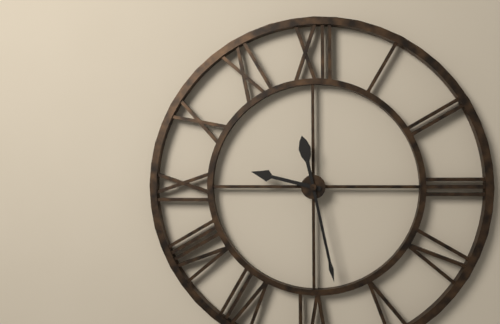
9:28
